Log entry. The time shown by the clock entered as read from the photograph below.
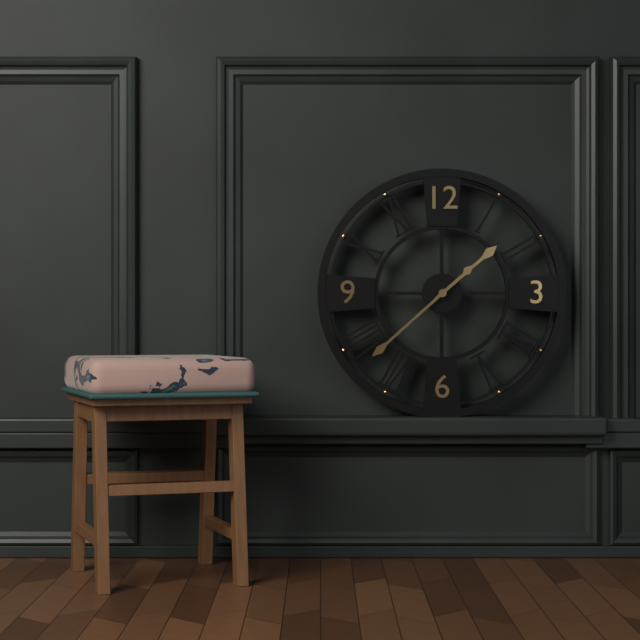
1:38
